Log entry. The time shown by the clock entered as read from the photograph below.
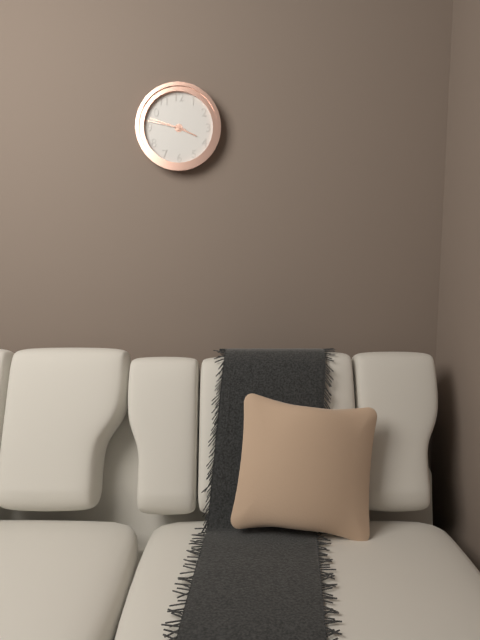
3:48
